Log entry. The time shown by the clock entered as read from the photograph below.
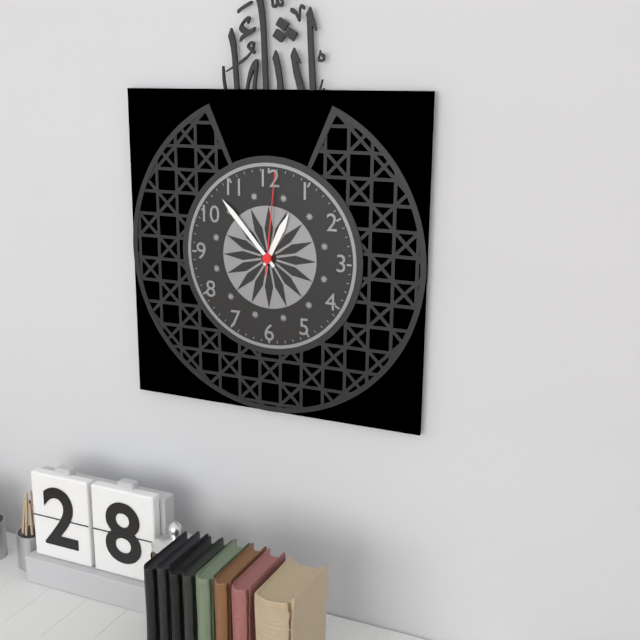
12:53:01
